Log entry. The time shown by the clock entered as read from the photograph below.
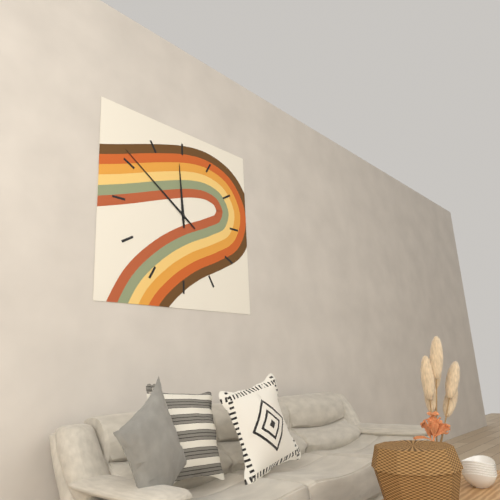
11:51
